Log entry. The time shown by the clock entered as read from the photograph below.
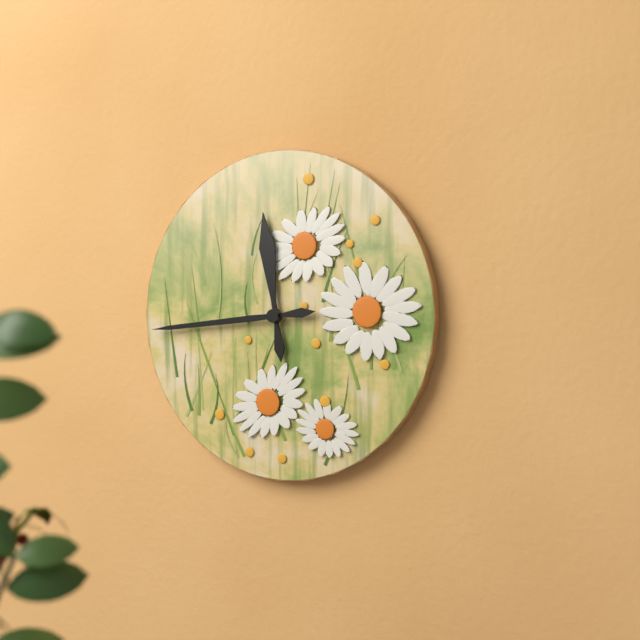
11:44
